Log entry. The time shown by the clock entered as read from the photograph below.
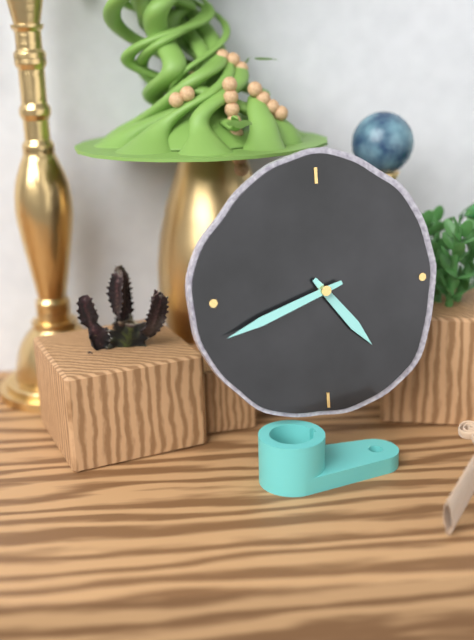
4:42
